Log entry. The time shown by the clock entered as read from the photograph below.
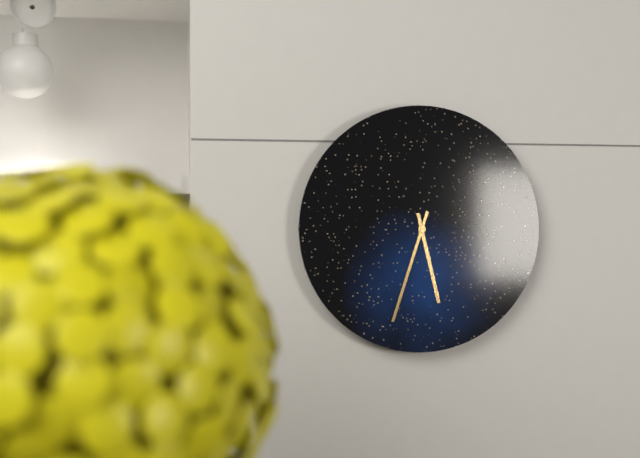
5:33
